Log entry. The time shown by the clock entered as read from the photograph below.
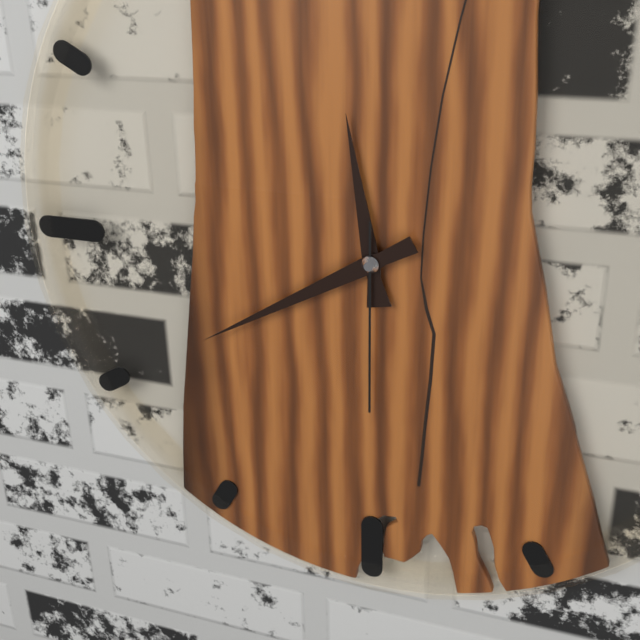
11:40:30
